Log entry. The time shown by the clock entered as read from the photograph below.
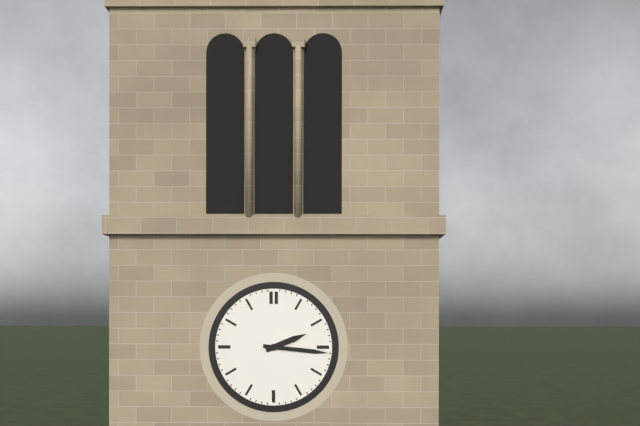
2:16
